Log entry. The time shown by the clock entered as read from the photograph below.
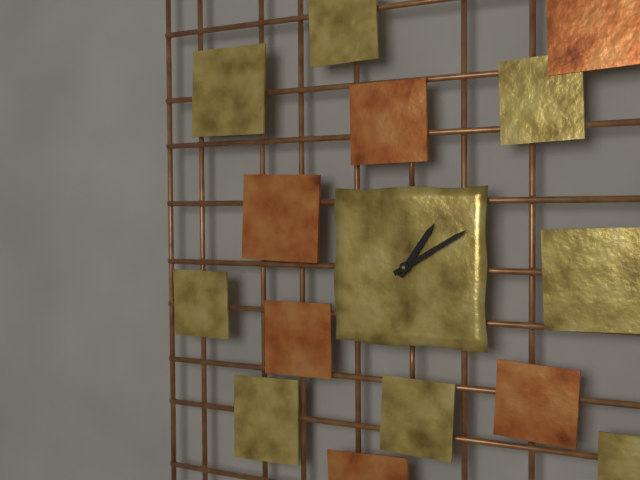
1:10
